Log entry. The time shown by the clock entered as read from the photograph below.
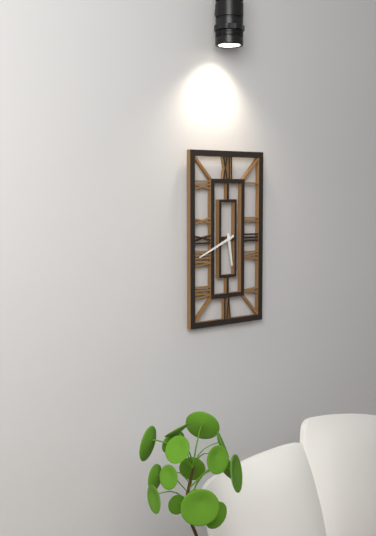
5:41
